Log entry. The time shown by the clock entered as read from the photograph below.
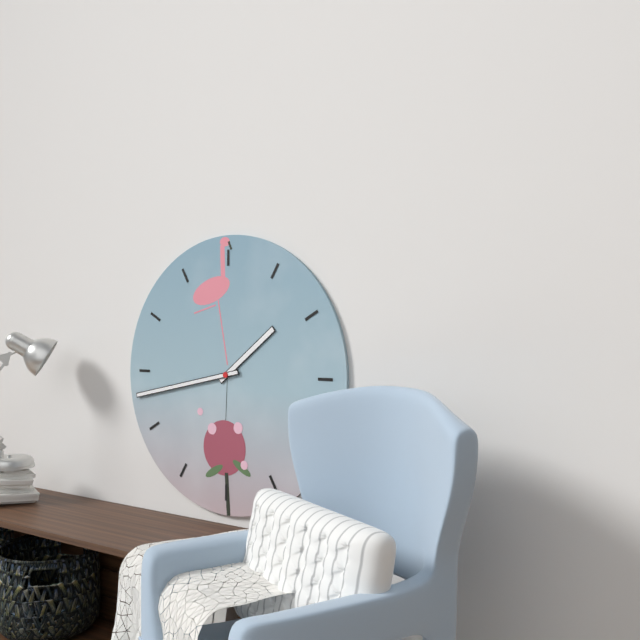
1:43
